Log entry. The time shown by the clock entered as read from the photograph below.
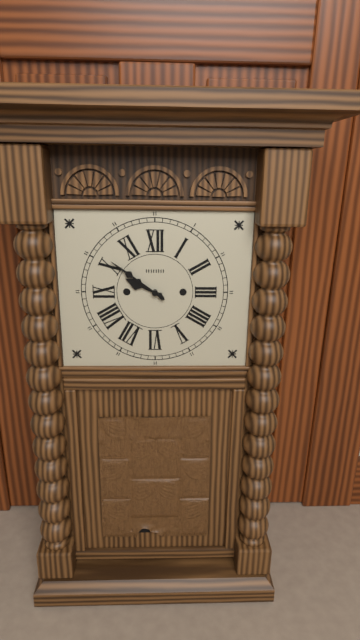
9:51
